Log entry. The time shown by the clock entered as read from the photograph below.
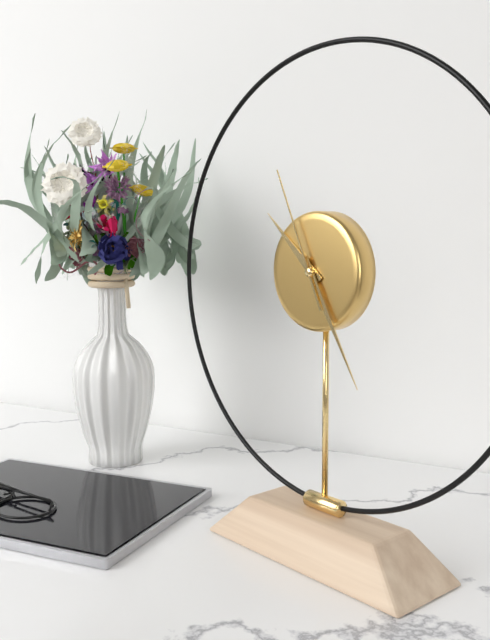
10:25:56
